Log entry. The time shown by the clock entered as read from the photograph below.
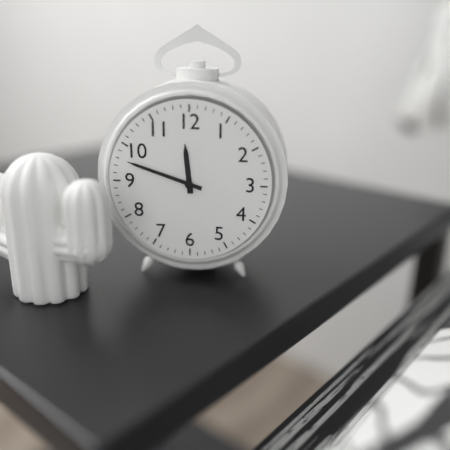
11:48
